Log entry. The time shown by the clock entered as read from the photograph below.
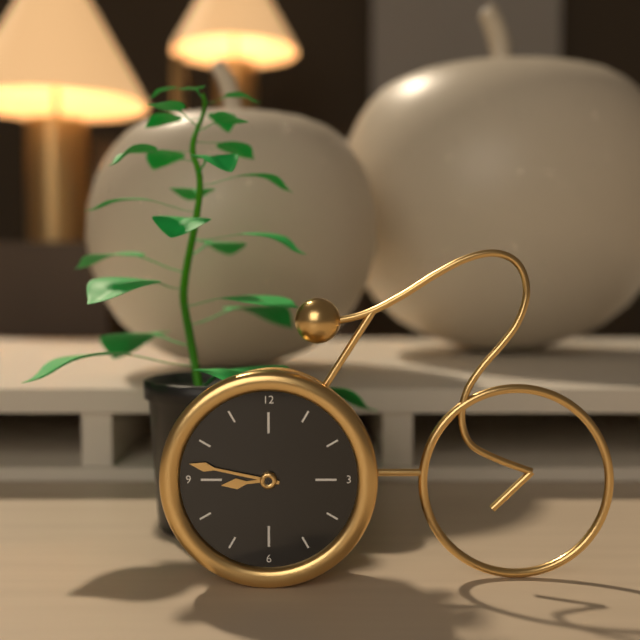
8:47
